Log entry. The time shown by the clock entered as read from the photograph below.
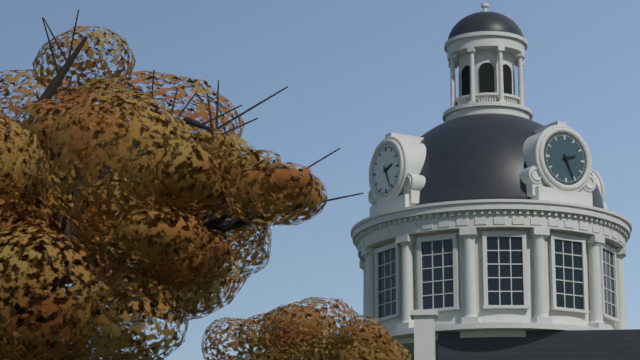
2:26
